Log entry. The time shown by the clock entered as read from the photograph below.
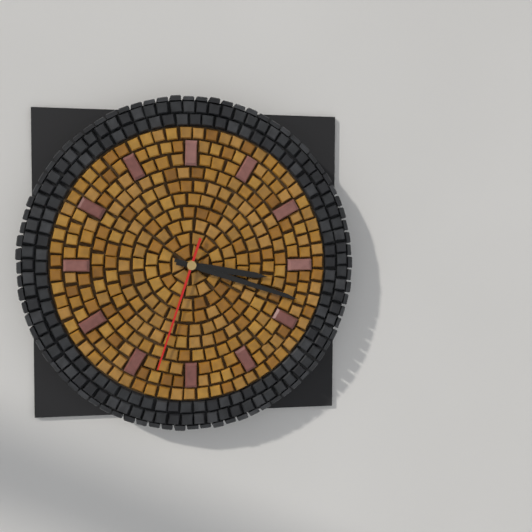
3:18:33
